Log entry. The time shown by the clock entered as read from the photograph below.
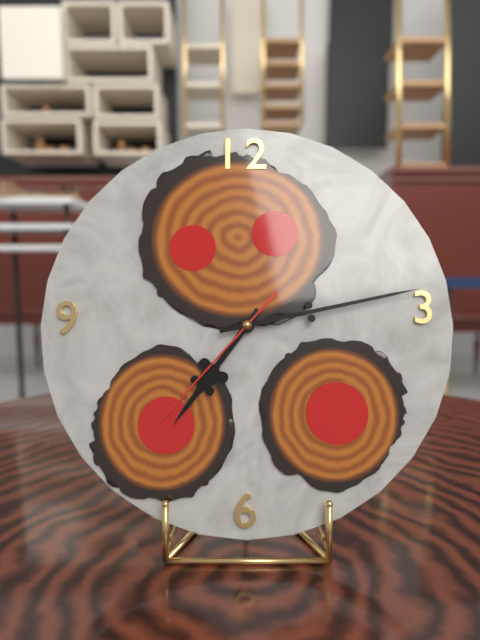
7:13:37
